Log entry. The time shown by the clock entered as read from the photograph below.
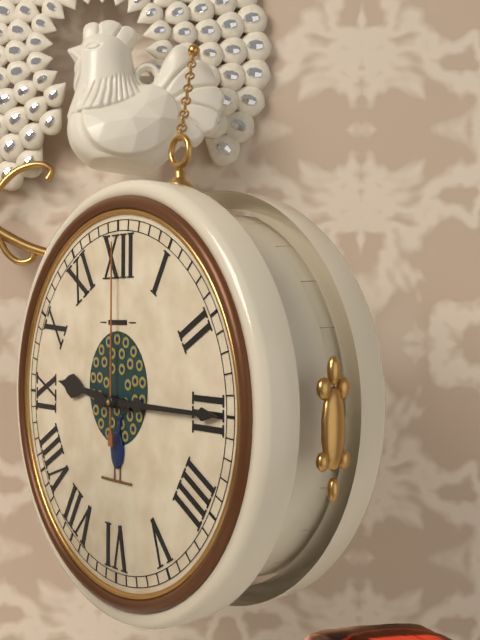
9:15:00
